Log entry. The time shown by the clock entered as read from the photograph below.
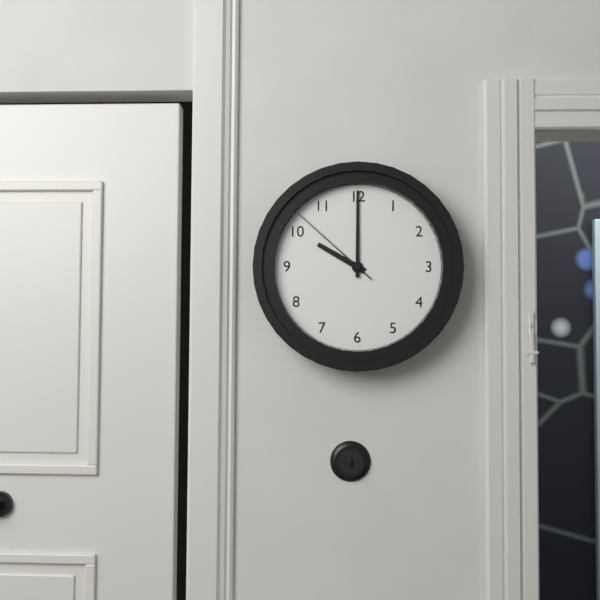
10:00:52
